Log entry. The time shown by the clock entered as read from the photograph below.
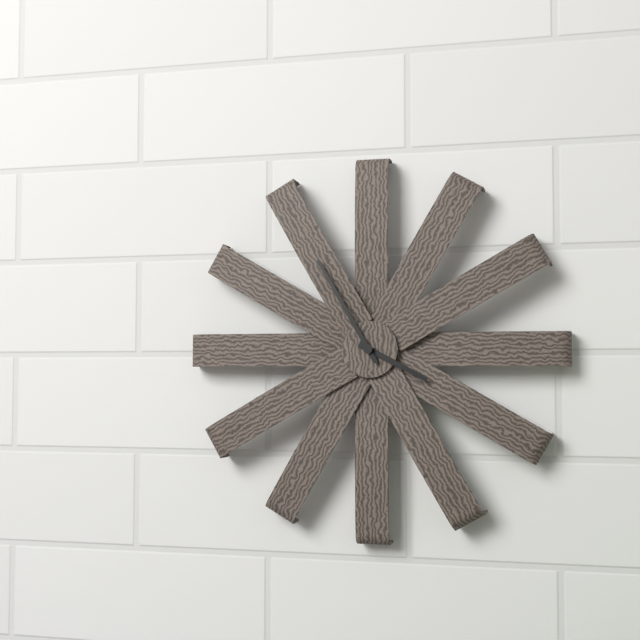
3:55
